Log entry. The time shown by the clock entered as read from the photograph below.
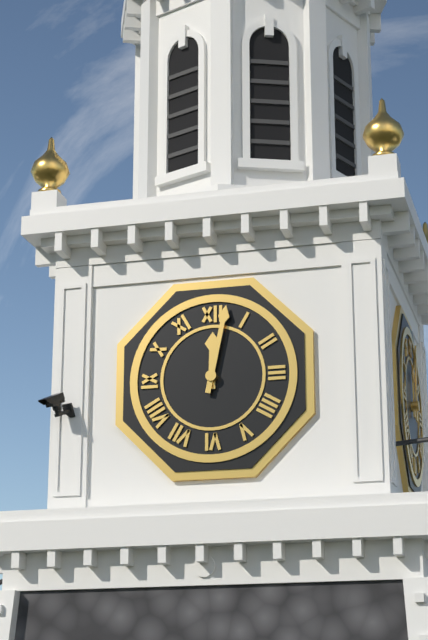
12:02
